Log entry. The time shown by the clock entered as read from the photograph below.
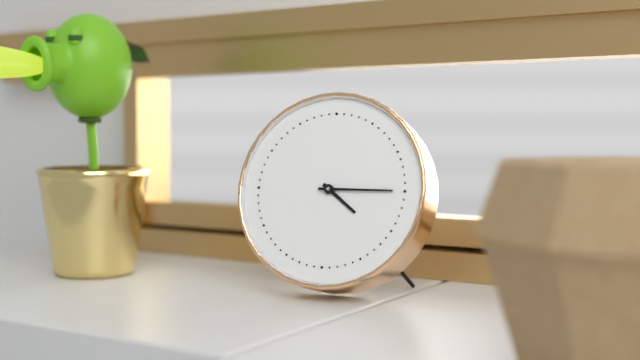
4:15
